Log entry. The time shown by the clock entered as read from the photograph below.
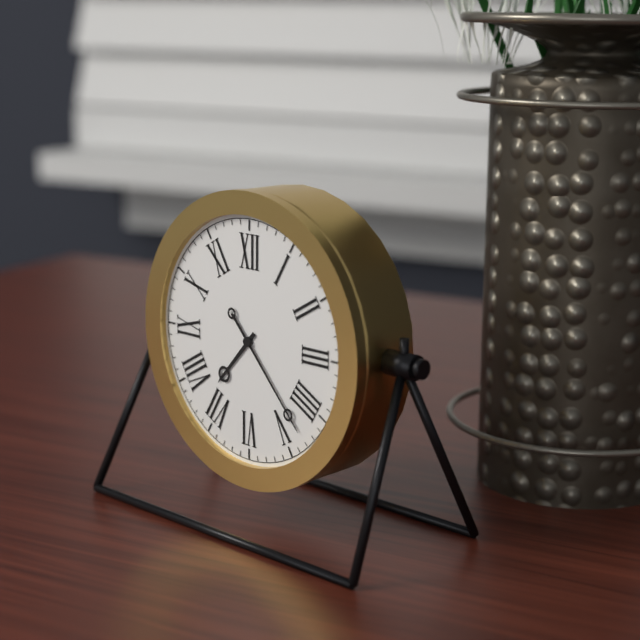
7:23
